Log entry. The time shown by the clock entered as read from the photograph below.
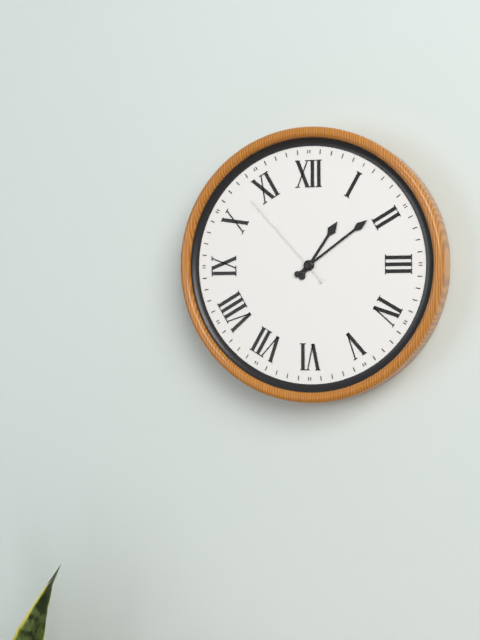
1:09:53
